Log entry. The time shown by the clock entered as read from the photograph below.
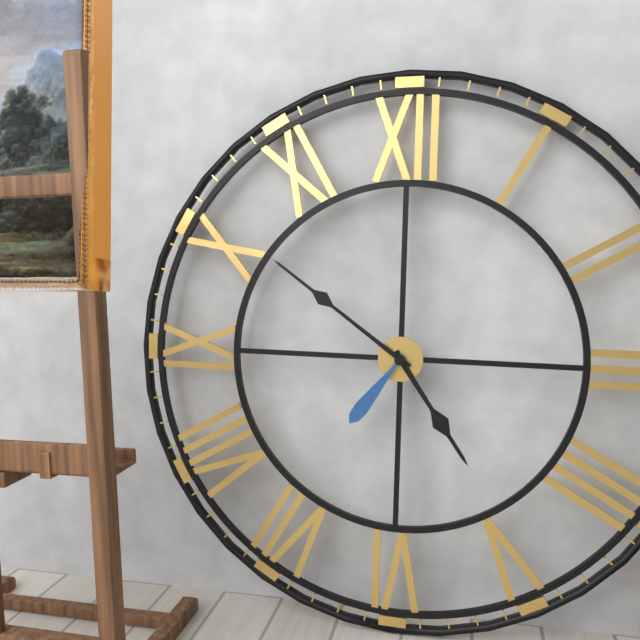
4:51:36
